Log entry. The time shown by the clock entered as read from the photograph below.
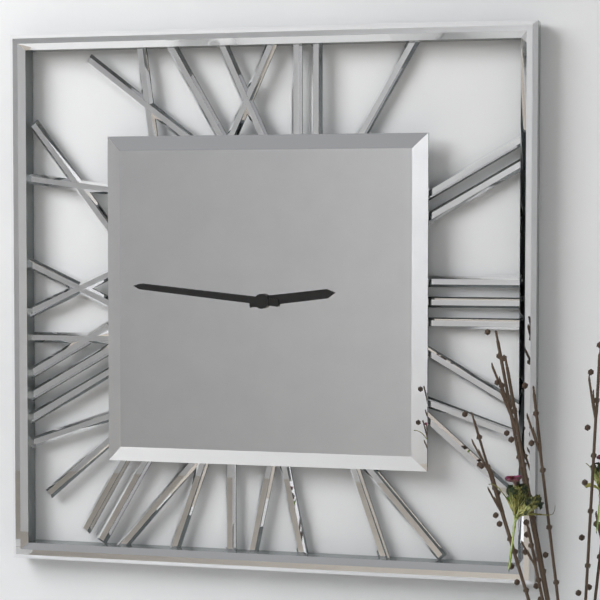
2:46
